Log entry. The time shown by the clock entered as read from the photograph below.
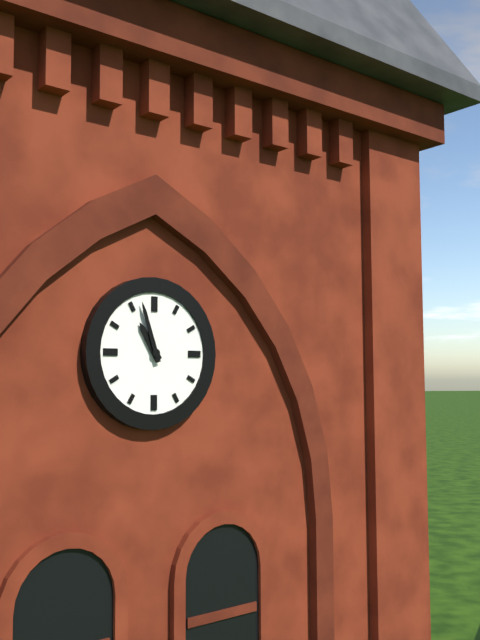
10:57
